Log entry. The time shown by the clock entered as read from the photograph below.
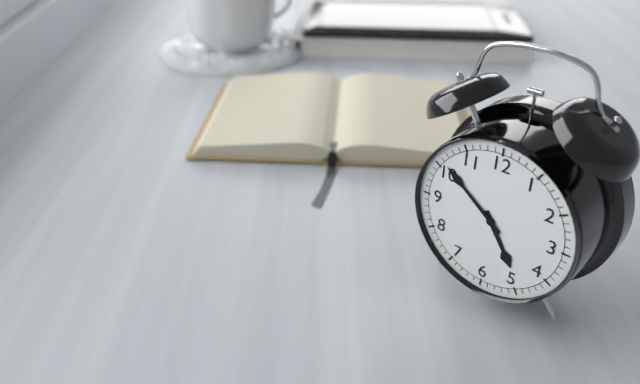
4:51
